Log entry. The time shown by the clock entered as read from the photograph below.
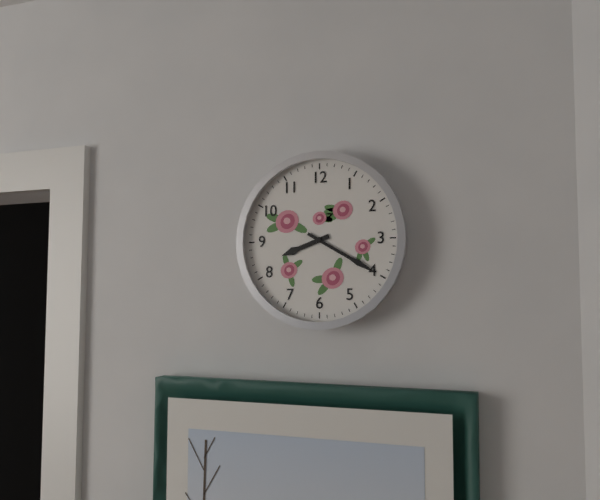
8:20
